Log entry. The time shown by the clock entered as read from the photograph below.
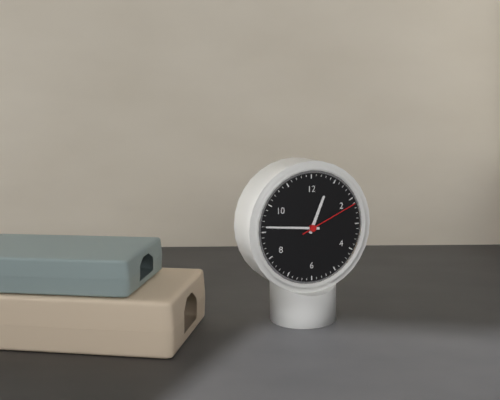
12:46:11
